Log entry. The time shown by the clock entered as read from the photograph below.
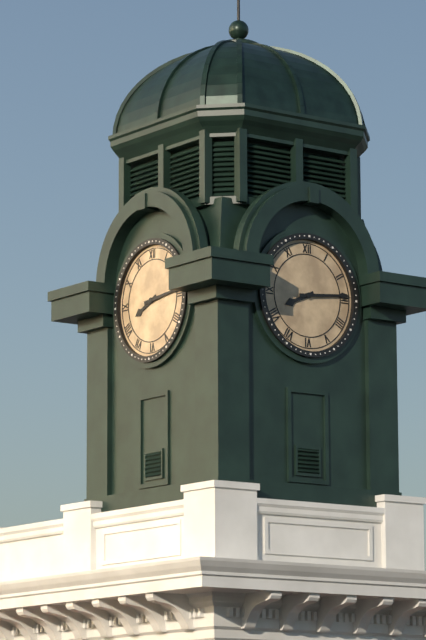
8:14
